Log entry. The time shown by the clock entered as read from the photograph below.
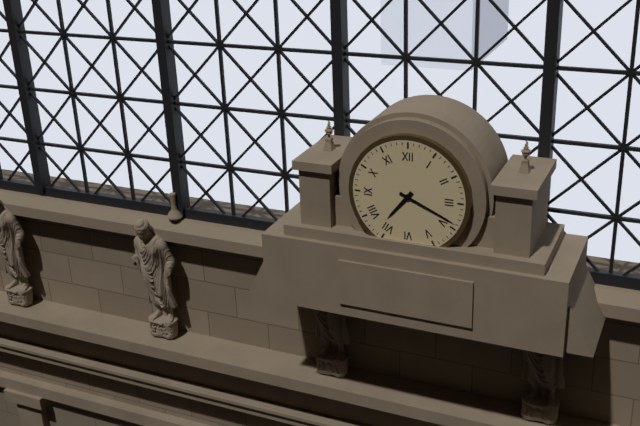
7:19
